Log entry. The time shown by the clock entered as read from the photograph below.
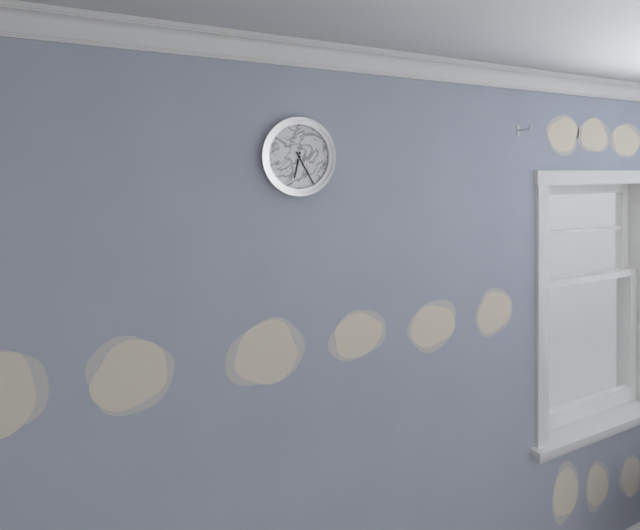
6:25
